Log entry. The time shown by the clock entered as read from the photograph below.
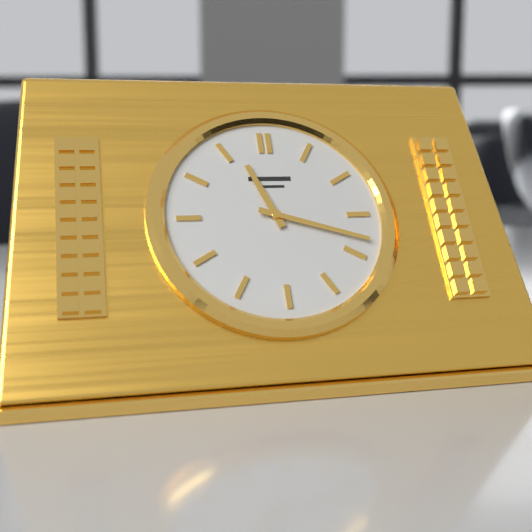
11:18
